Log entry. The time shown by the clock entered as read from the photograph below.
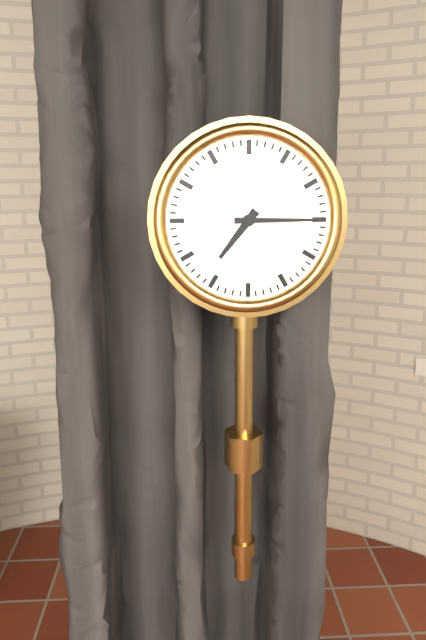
7:15
